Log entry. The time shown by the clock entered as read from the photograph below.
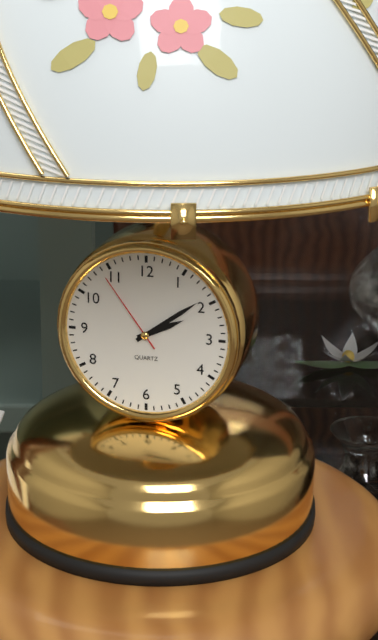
2:09:54
